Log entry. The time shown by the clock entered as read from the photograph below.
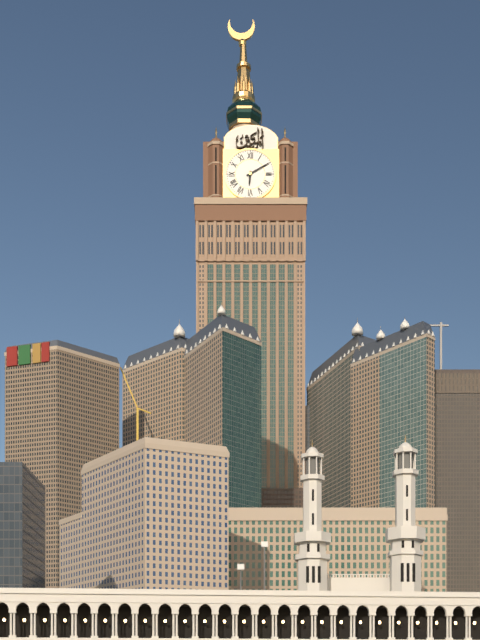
6:10
